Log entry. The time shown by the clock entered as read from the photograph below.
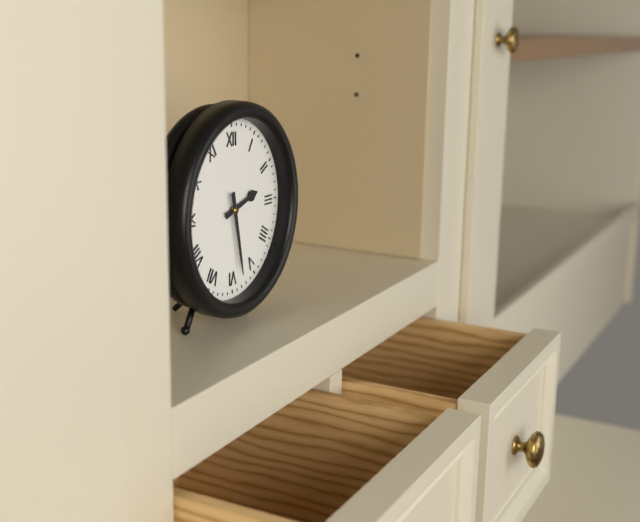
2:28
